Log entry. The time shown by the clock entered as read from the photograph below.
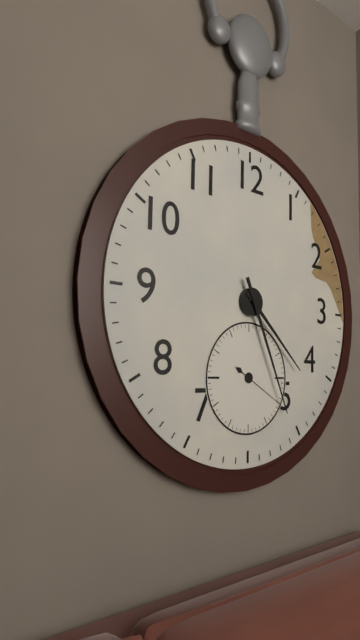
4:26
